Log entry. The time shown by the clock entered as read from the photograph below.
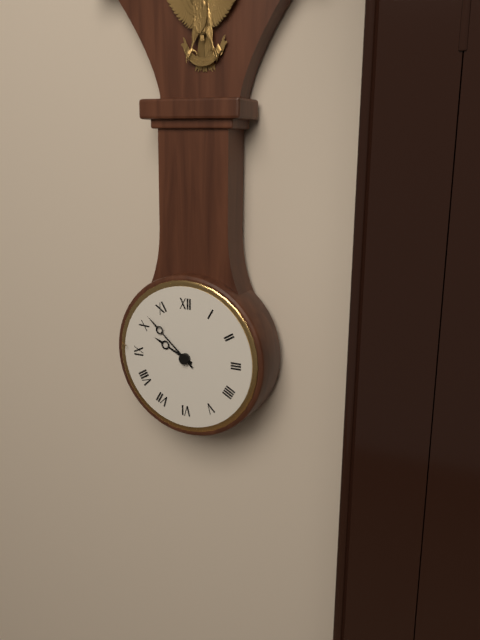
9:52
